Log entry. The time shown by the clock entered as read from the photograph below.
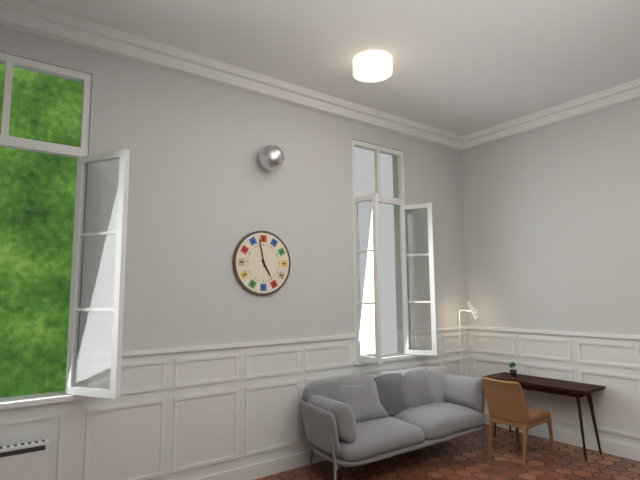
4:58
